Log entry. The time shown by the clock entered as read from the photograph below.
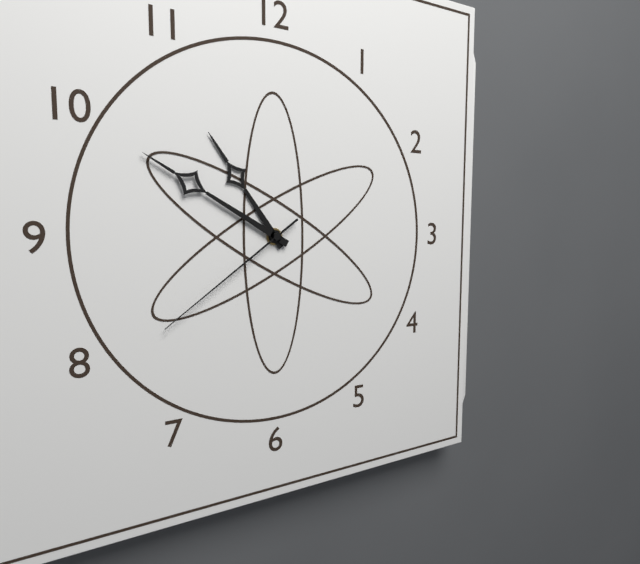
10:50:39
